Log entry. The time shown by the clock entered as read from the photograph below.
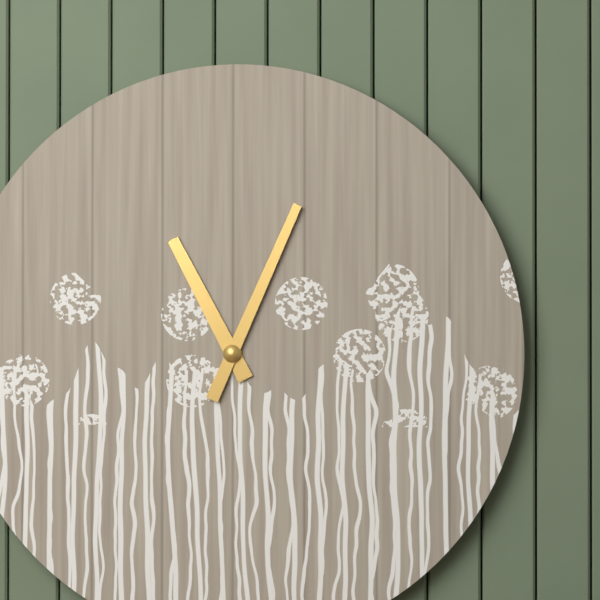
11:04
